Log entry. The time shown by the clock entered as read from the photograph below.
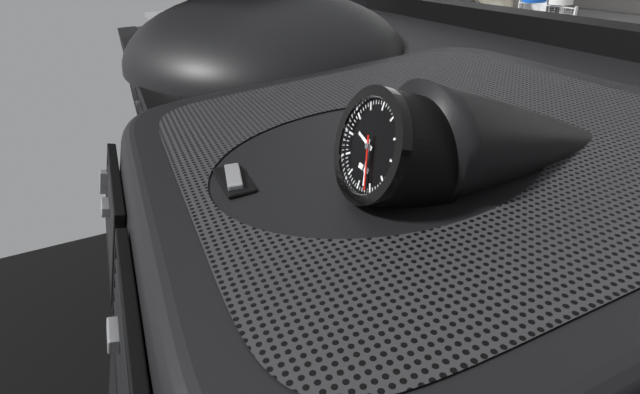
9:27:26
